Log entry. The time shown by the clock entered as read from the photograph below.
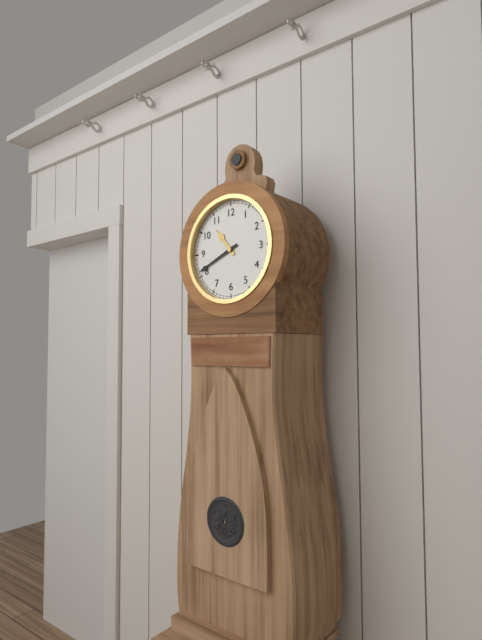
10:41
